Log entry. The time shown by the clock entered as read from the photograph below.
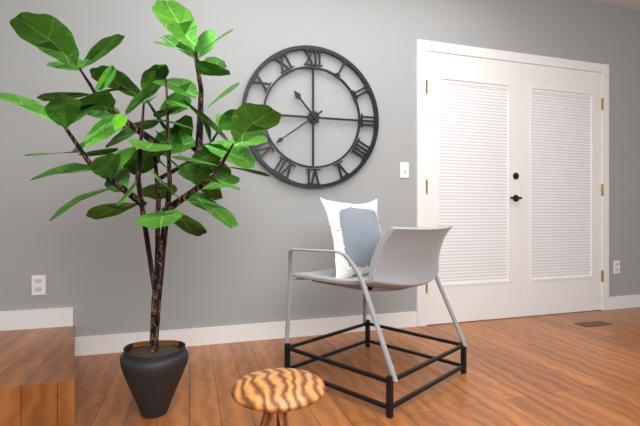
10:39
